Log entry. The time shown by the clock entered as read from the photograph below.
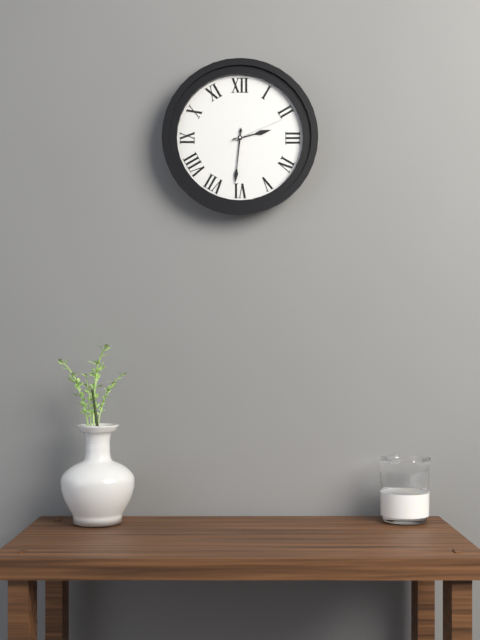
2:31:11
